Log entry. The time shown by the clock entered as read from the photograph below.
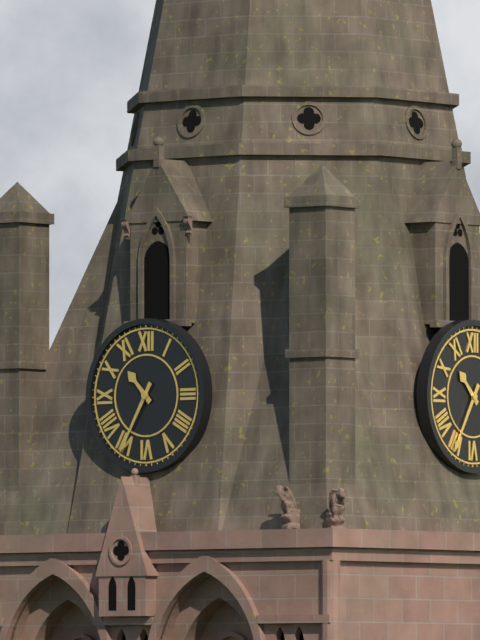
10:35
